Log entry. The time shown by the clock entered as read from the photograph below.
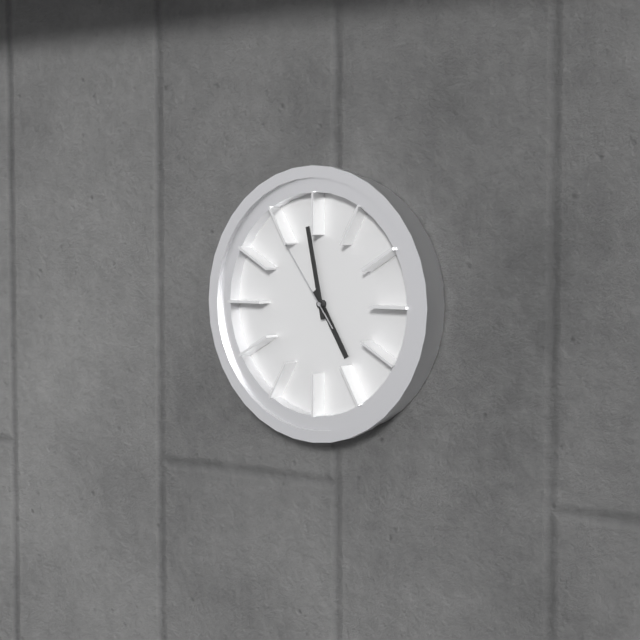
4:58:54
